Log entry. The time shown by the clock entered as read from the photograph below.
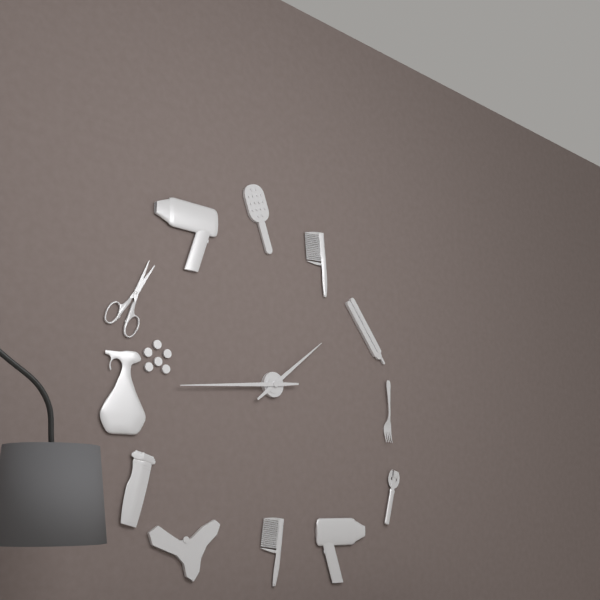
1:44
